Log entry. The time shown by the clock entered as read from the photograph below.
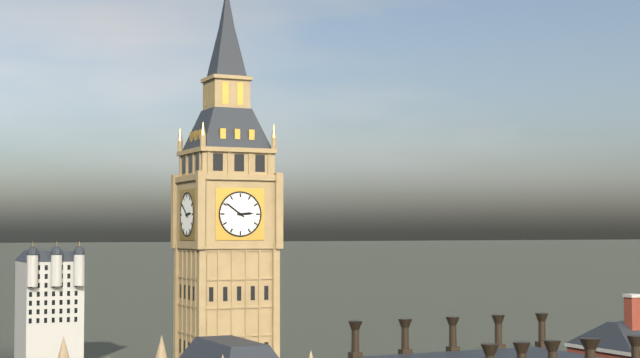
2:51
